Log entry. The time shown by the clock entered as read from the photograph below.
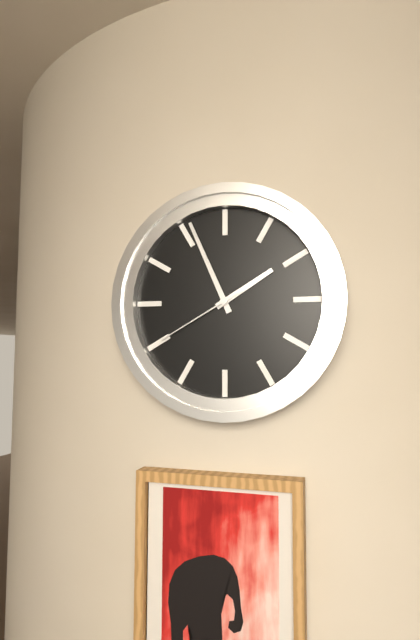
1:56:40
